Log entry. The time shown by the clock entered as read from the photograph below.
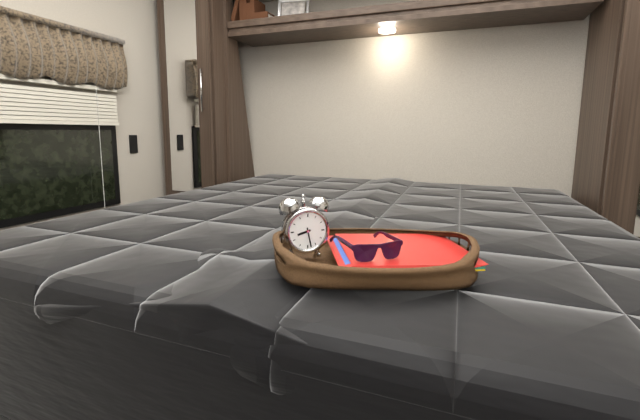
8:28
